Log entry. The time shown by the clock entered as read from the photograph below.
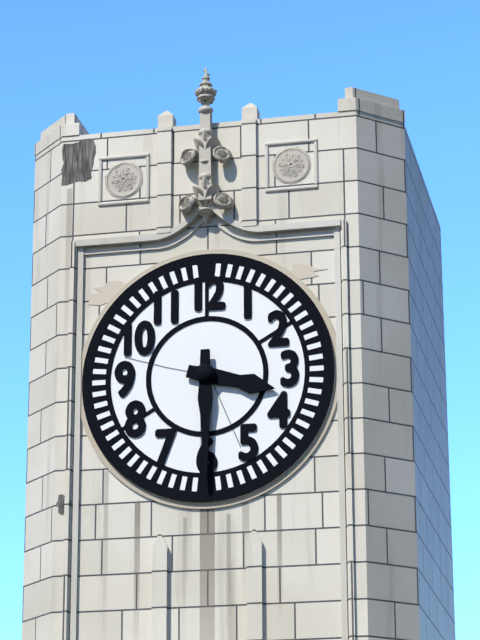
3:30
